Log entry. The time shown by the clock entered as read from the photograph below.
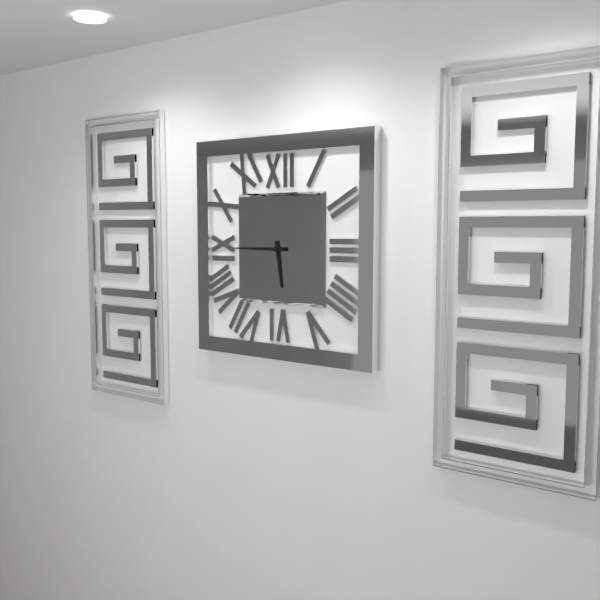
5:45
